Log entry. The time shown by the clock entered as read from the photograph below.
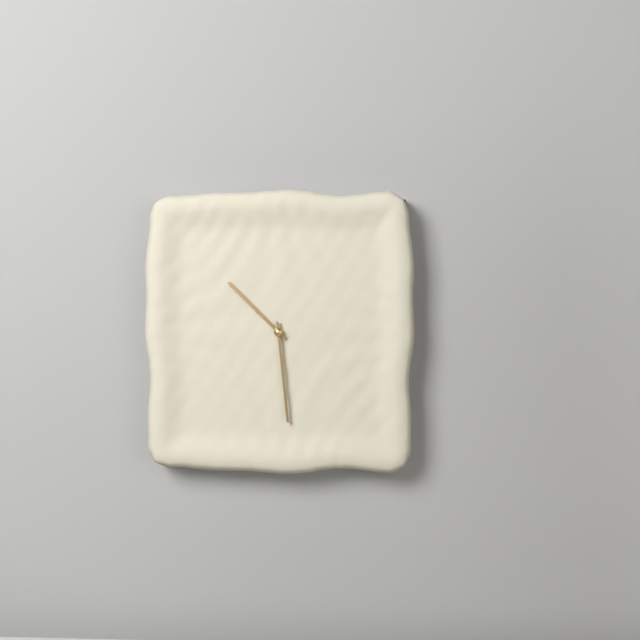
10:29
